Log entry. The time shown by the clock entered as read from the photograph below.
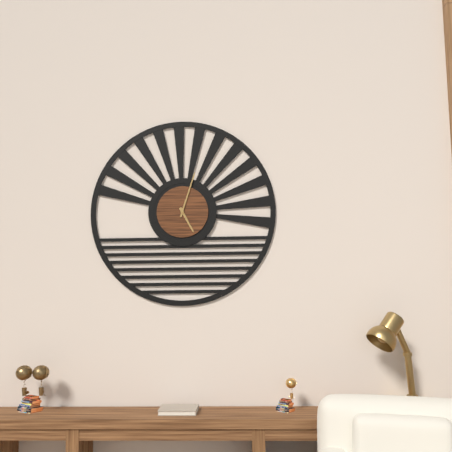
5:03
